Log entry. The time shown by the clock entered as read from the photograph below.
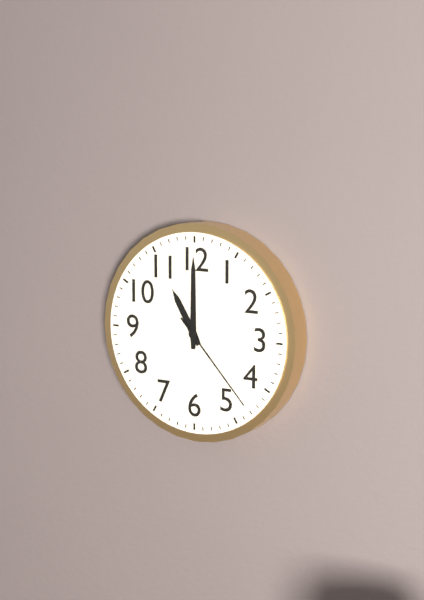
11:00:23
